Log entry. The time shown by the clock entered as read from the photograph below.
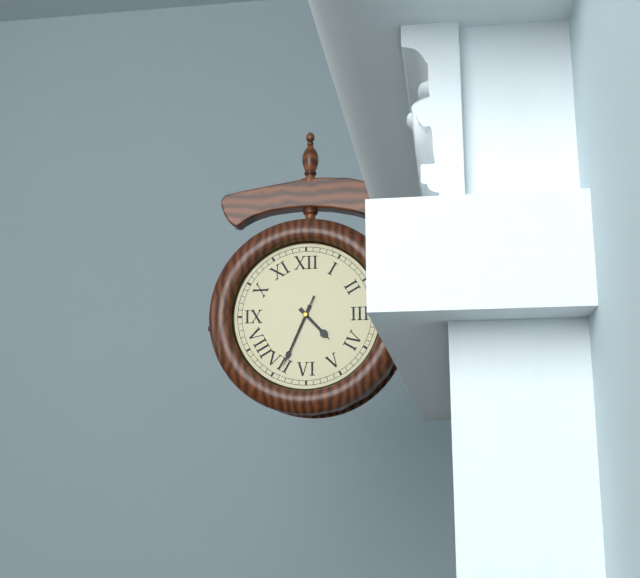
4:34:34
